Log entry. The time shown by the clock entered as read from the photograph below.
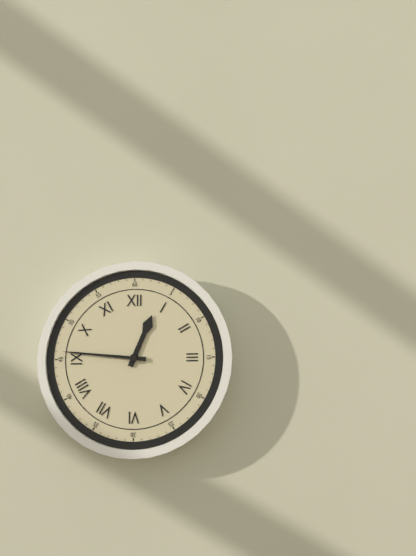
12:46
